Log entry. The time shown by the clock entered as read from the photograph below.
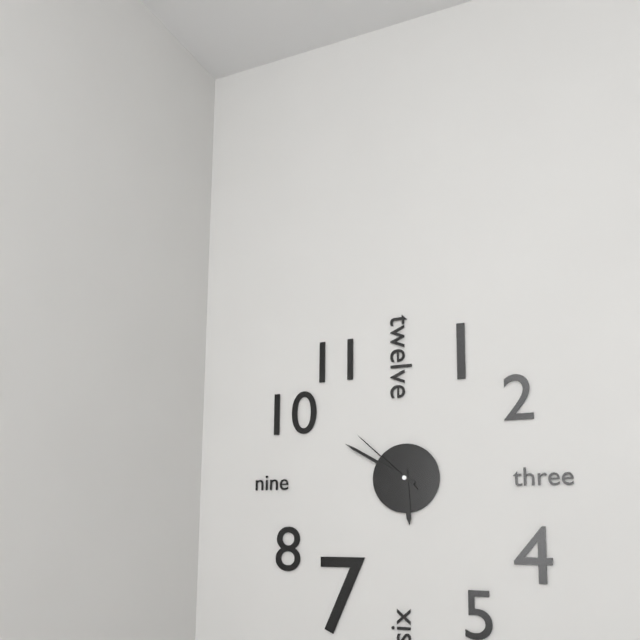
5:50:52
